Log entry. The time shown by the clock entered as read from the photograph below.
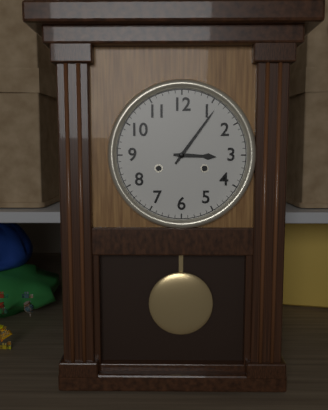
3:06
